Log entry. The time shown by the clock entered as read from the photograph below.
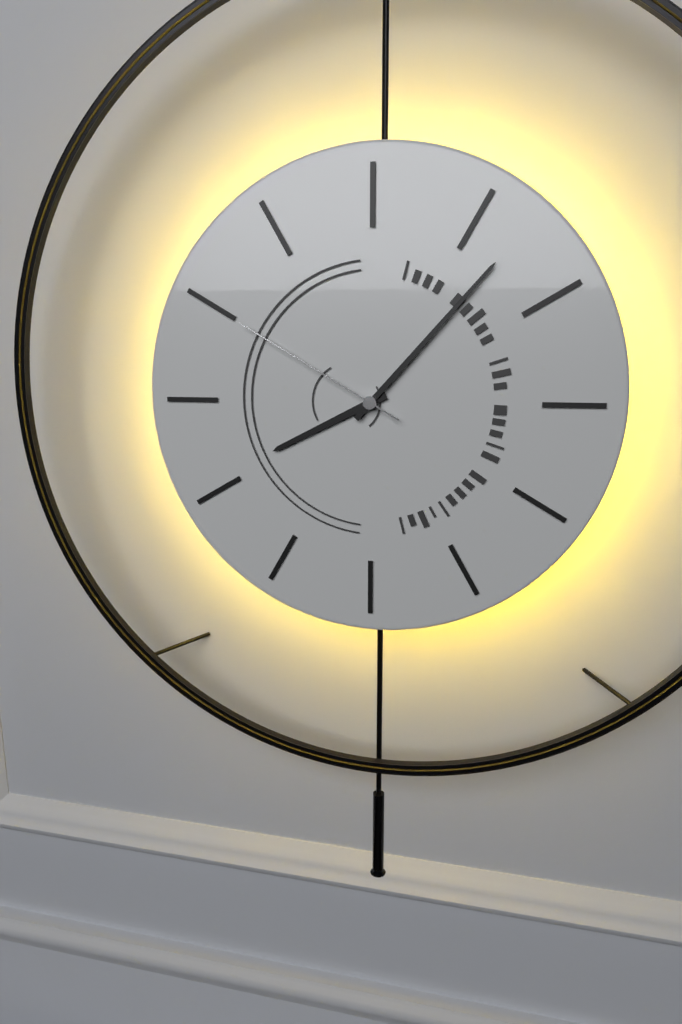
8:07:50
